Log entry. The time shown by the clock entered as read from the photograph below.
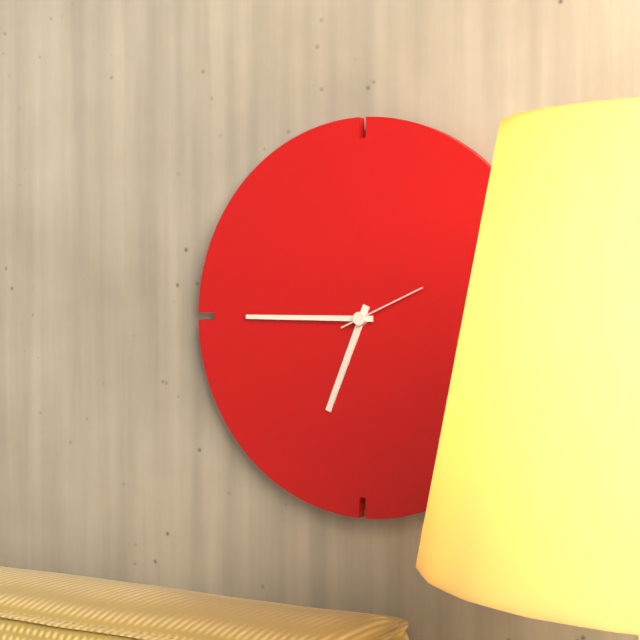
6:45:11
